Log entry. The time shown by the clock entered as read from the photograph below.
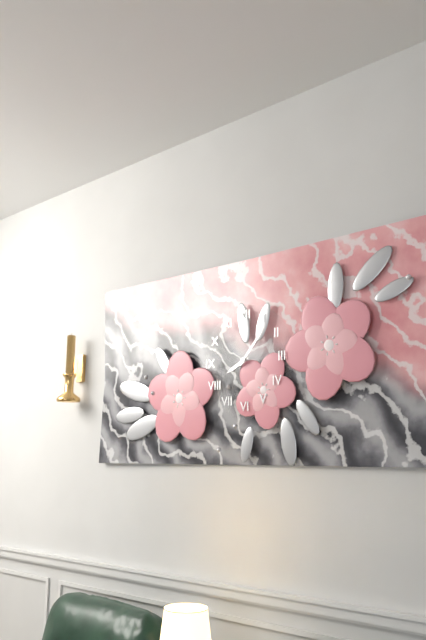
8:07
